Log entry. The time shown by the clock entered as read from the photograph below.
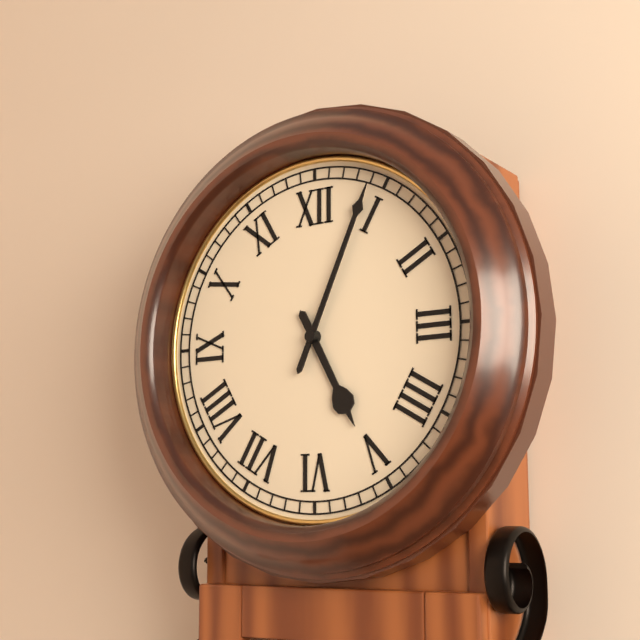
5:04
